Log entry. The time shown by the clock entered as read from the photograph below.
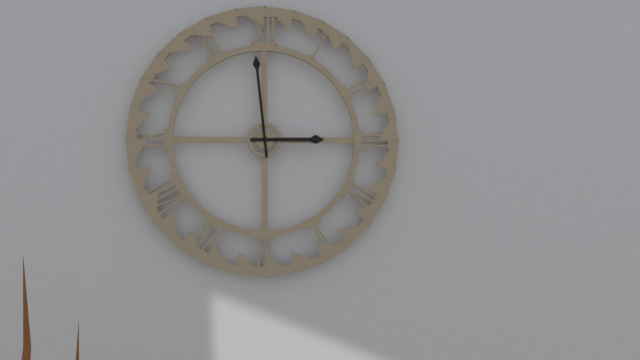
2:59
